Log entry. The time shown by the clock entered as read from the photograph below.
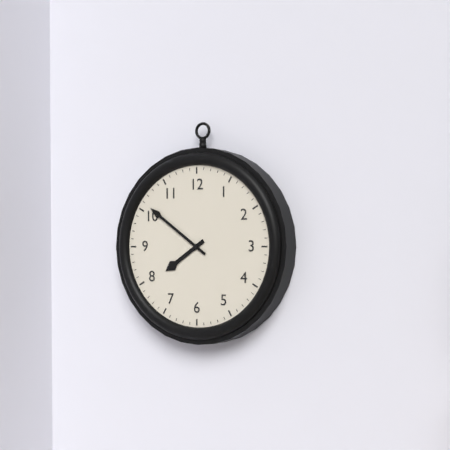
7:51
